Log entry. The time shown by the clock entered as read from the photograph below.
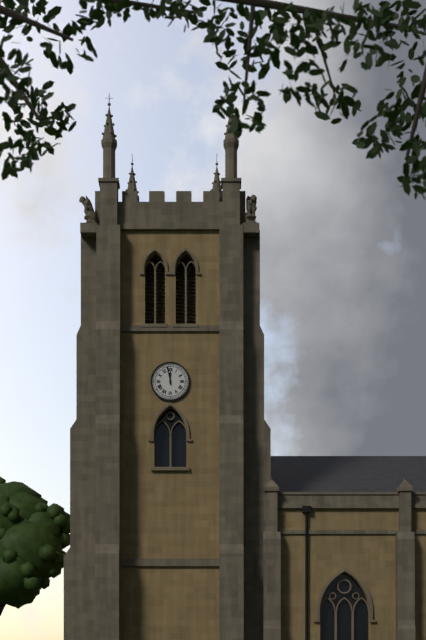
11:58
